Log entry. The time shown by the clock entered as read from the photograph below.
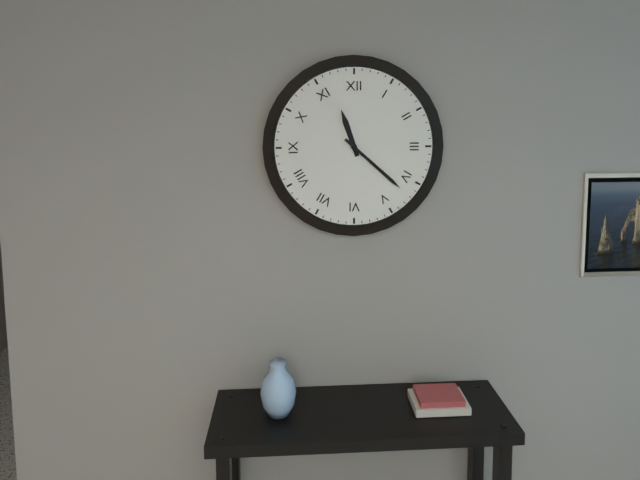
11:22
